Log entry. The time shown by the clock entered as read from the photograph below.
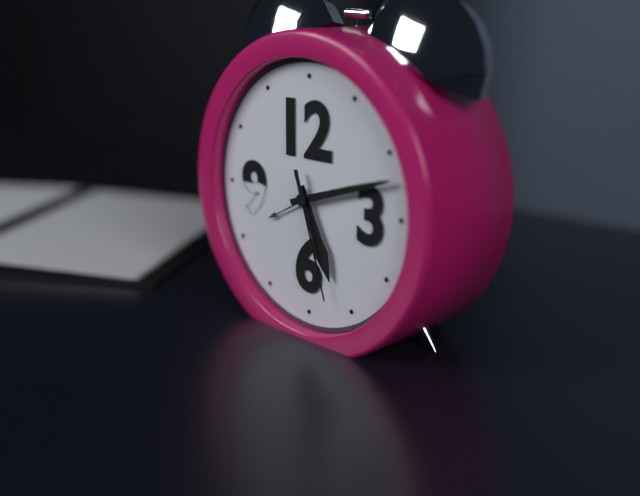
5:12:27
